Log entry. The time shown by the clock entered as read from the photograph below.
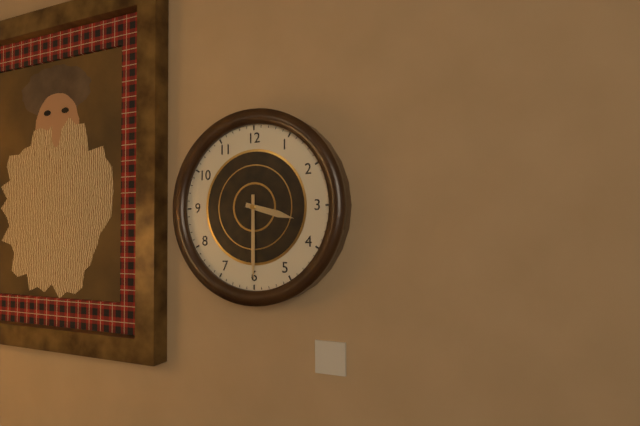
3:30
